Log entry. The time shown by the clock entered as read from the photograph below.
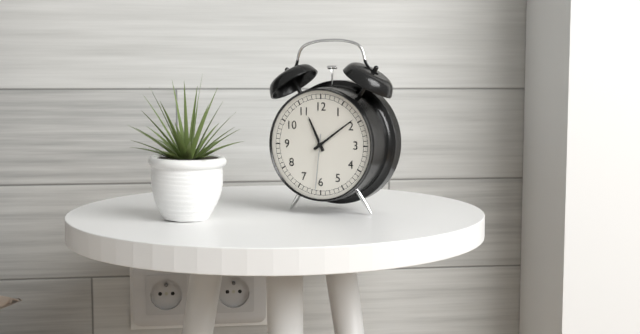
11:09:31
